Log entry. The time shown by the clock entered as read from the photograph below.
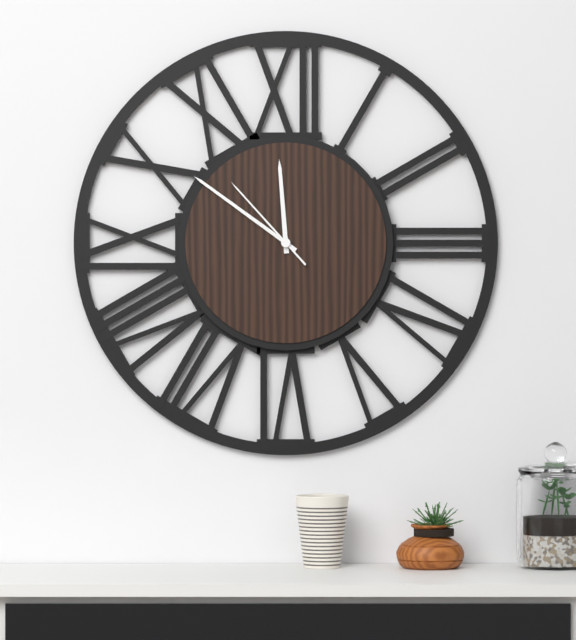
11:51:53
